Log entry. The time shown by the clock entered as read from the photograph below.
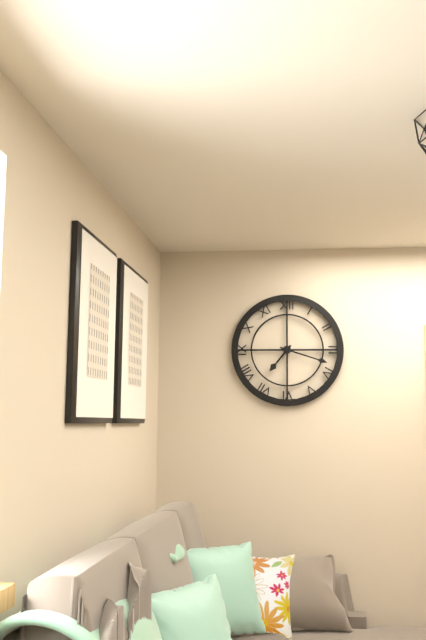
7:18
